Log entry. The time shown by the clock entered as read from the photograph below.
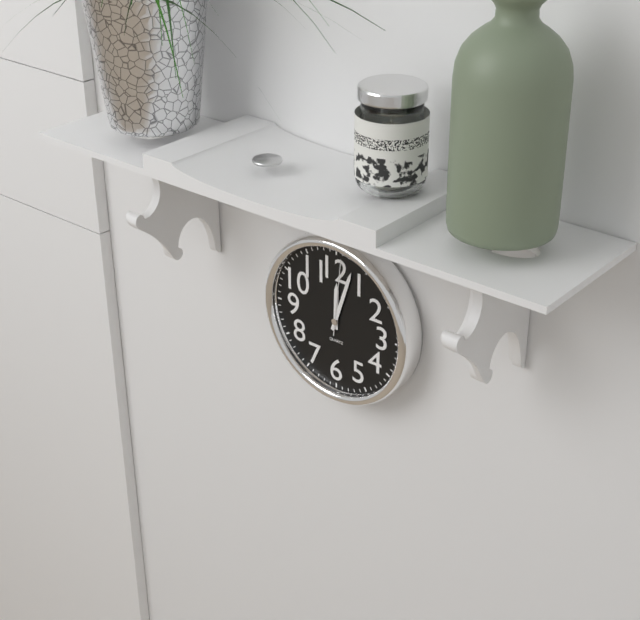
12:03:01
